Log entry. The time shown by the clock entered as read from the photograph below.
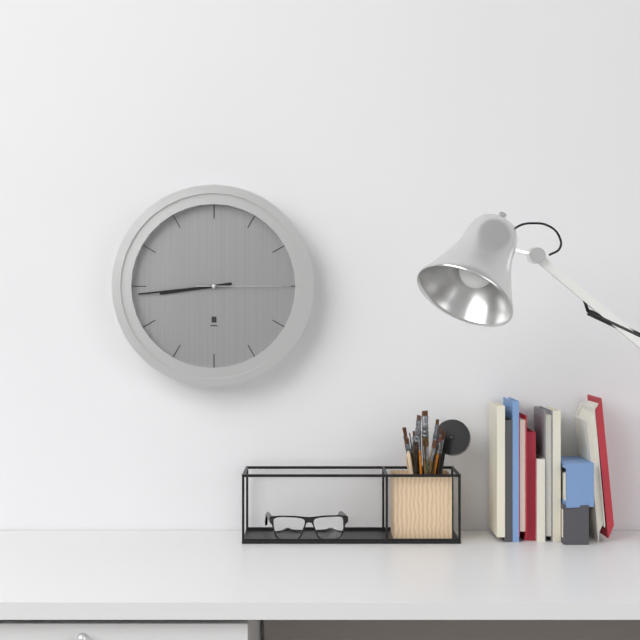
8:44:15
